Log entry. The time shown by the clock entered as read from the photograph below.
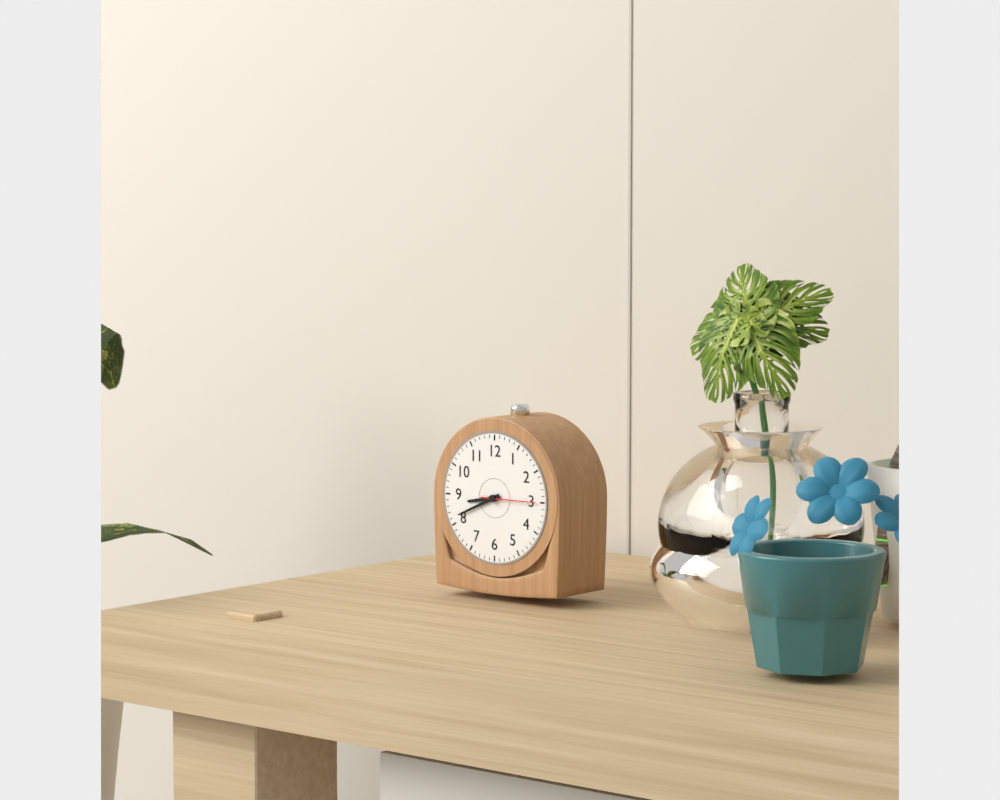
8:41:15
